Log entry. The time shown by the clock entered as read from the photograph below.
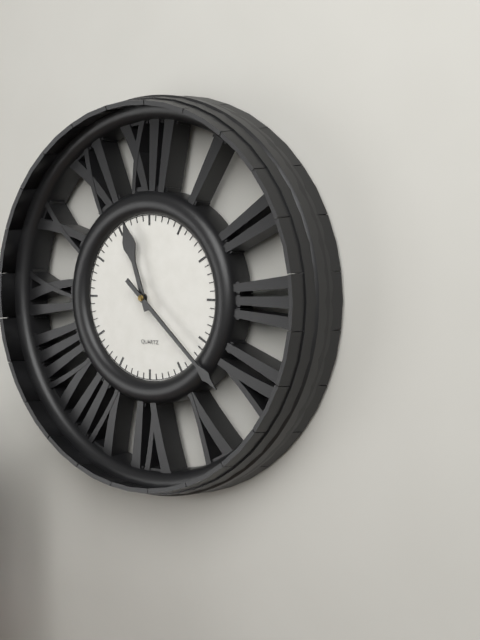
11:22
